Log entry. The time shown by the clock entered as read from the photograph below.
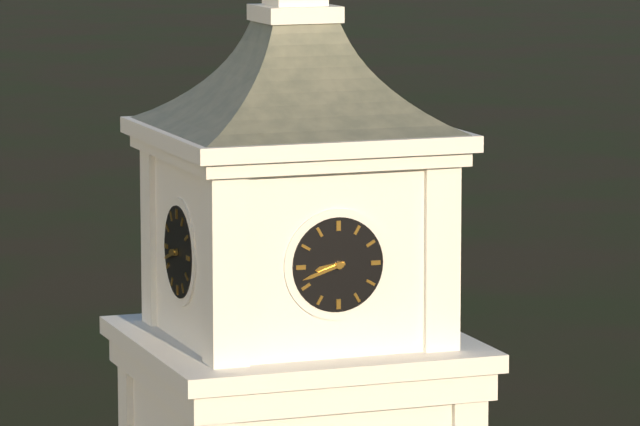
8:42
